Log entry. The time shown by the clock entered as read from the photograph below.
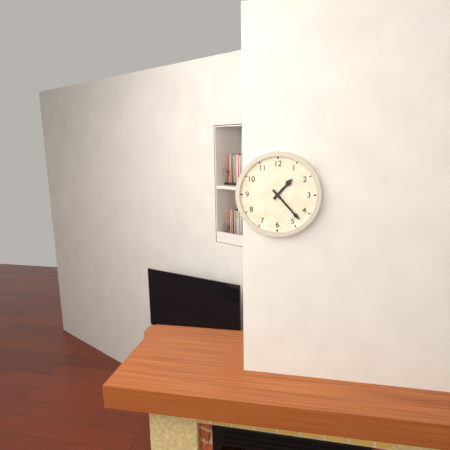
1:23
